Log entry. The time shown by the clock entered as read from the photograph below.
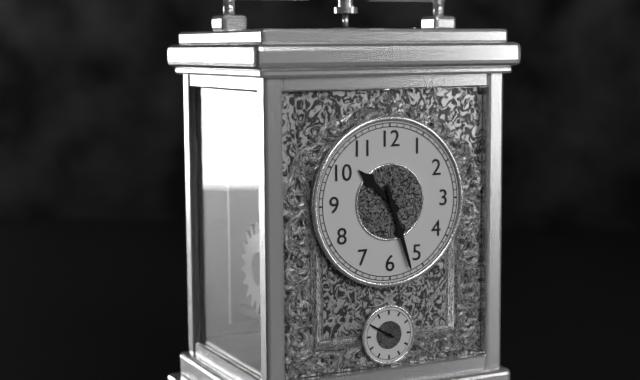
10:27
